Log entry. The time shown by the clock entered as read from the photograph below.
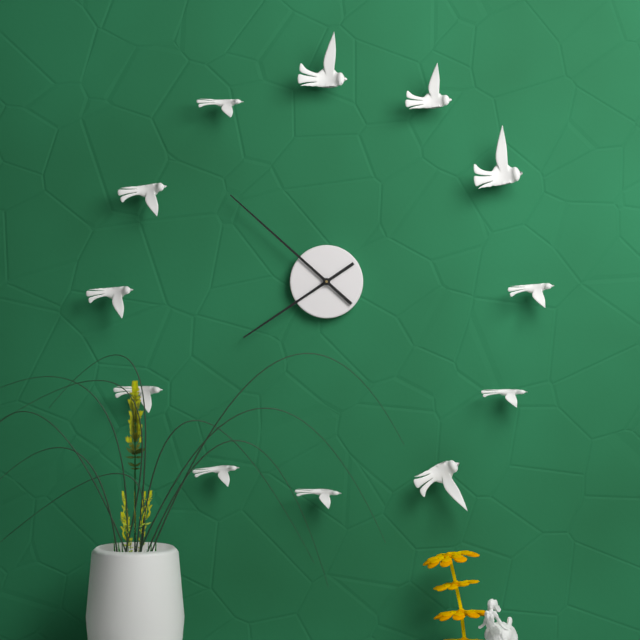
7:52
